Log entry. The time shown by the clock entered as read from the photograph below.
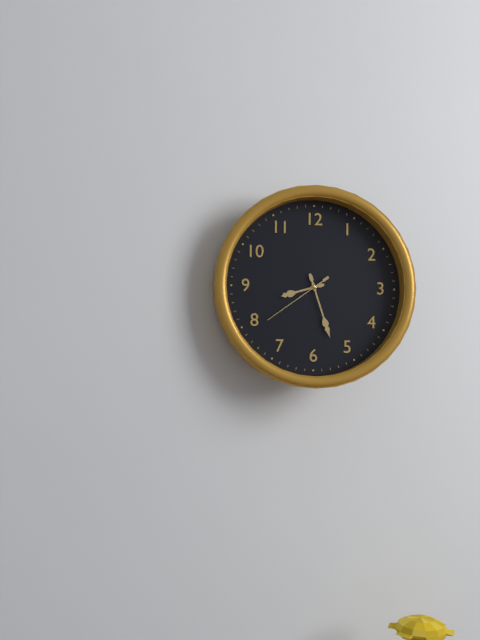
8:27:39
